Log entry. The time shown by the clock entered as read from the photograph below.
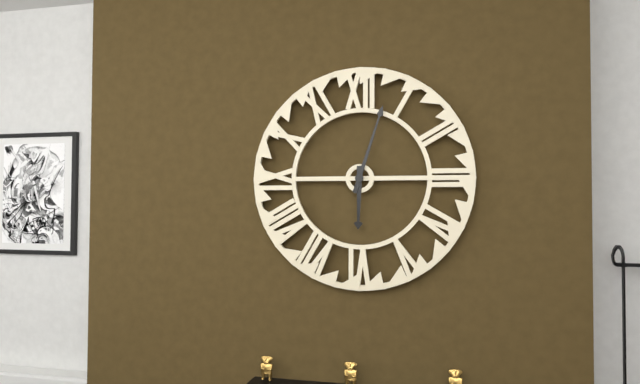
6:03
